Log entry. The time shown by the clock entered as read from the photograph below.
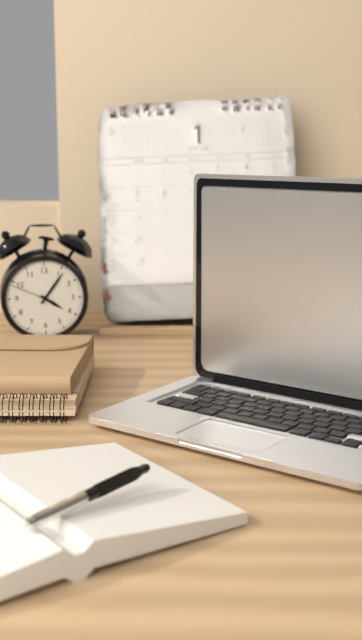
4:06
